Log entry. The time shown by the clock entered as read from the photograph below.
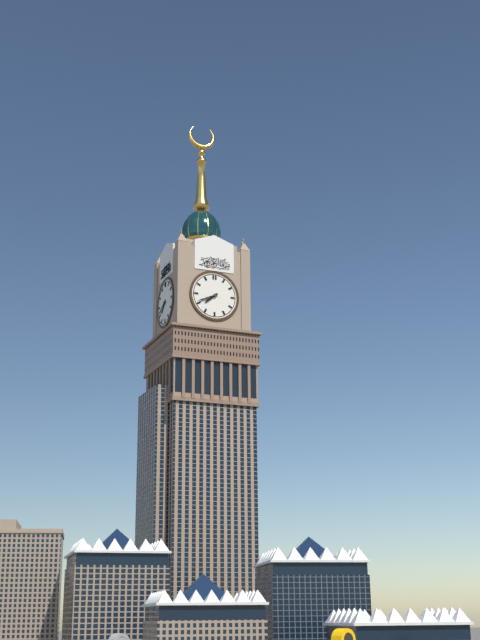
7:41
